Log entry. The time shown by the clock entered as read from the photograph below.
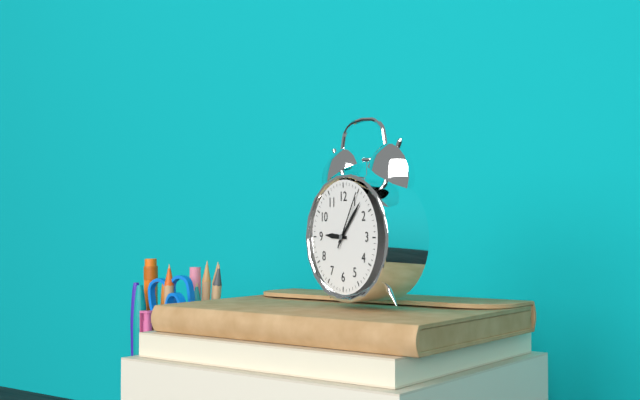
9:07:05
